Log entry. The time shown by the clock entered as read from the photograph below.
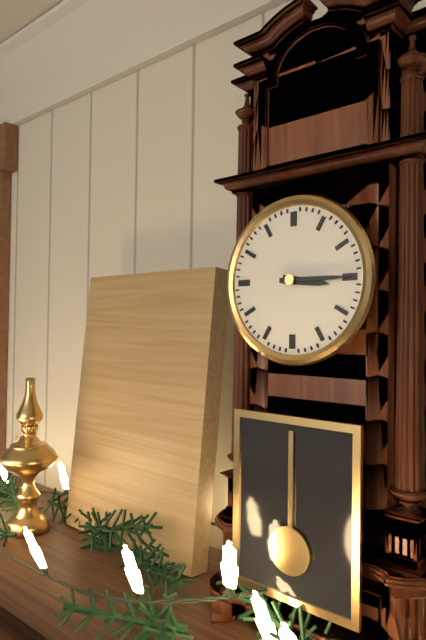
3:15
